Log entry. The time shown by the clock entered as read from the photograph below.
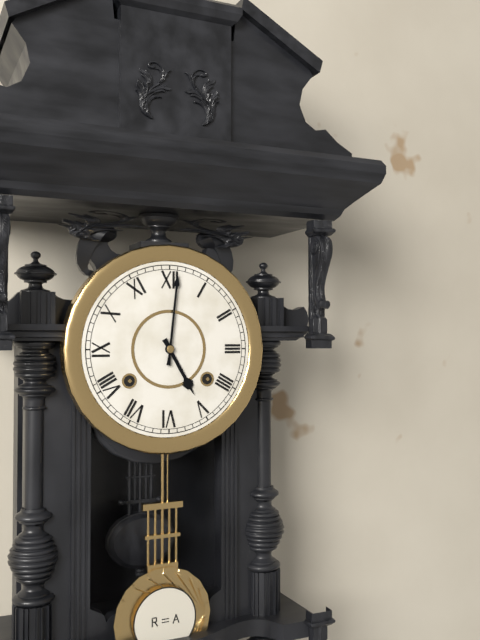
5:01
